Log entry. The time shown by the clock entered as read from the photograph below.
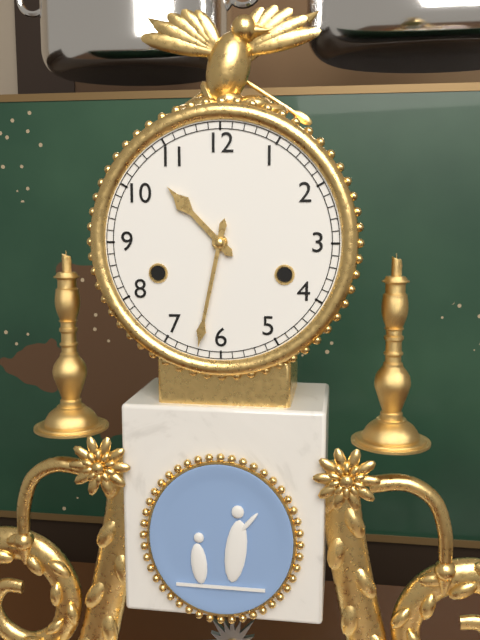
10:32
